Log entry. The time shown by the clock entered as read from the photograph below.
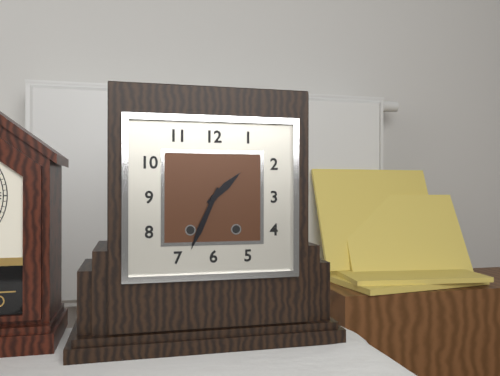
1:34
